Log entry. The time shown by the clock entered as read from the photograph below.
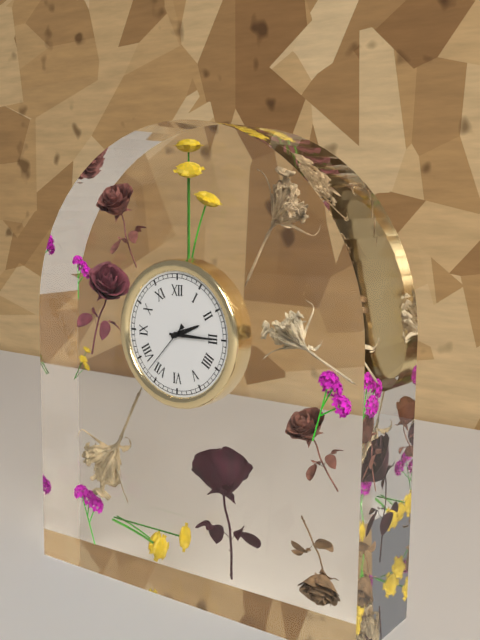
2:15:37
